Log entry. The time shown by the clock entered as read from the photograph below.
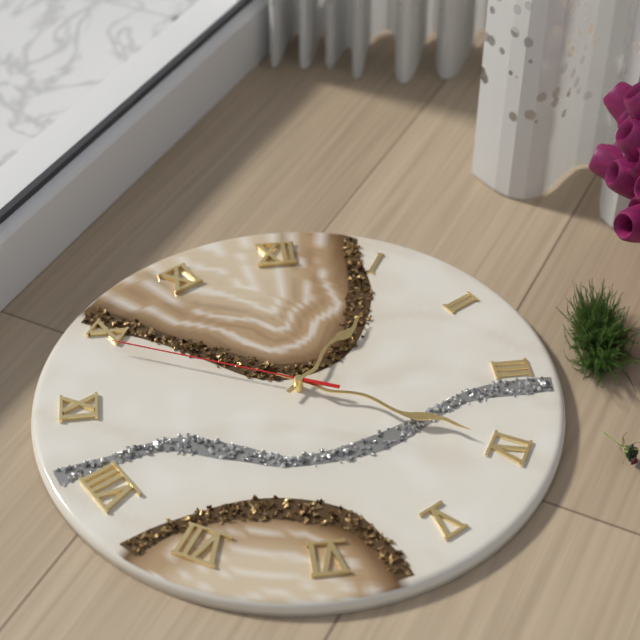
1:20:49
